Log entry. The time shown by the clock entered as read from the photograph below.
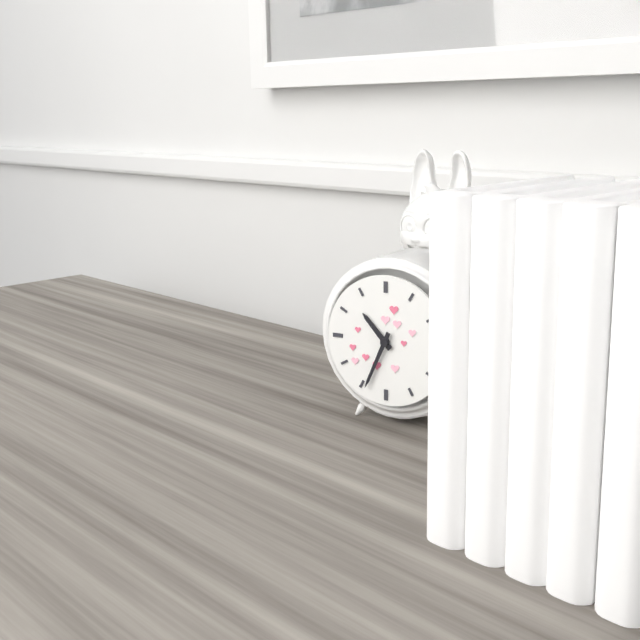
10:34
